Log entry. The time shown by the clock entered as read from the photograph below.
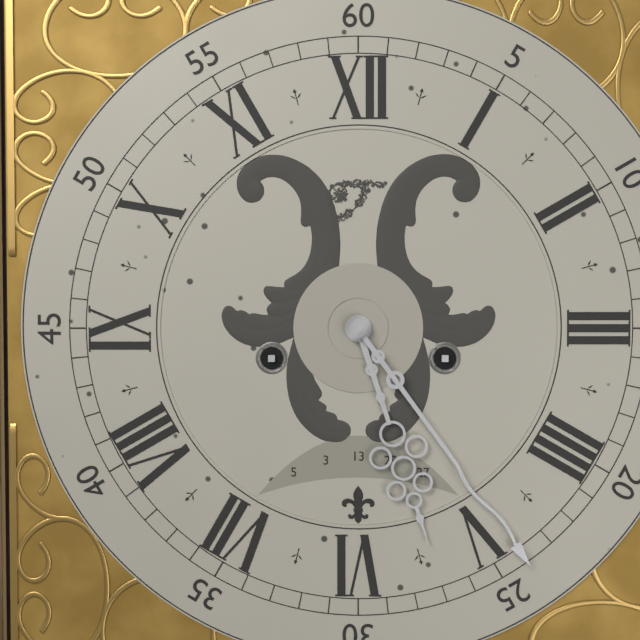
5:24
